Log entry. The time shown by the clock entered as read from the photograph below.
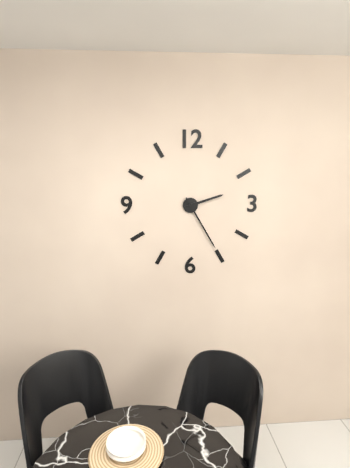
2:25
